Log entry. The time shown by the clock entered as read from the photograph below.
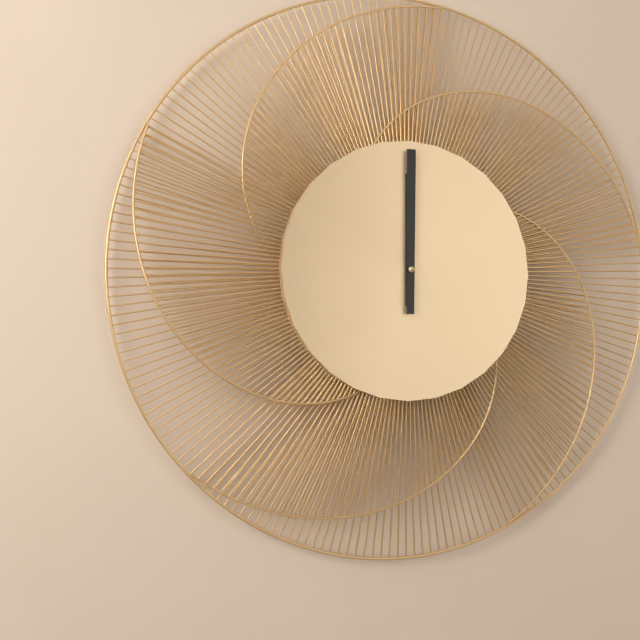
12:00
